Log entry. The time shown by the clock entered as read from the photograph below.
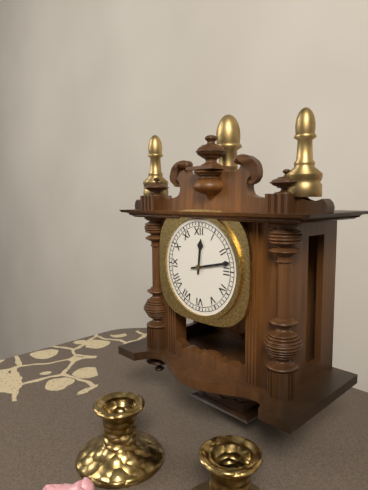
12:13
